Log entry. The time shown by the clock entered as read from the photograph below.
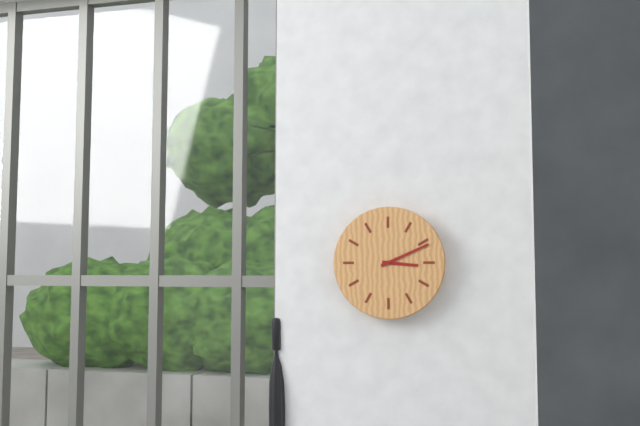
3:11
